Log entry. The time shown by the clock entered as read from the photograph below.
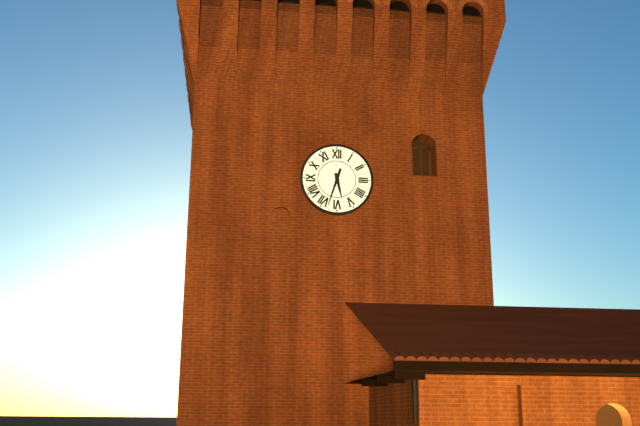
5:33
